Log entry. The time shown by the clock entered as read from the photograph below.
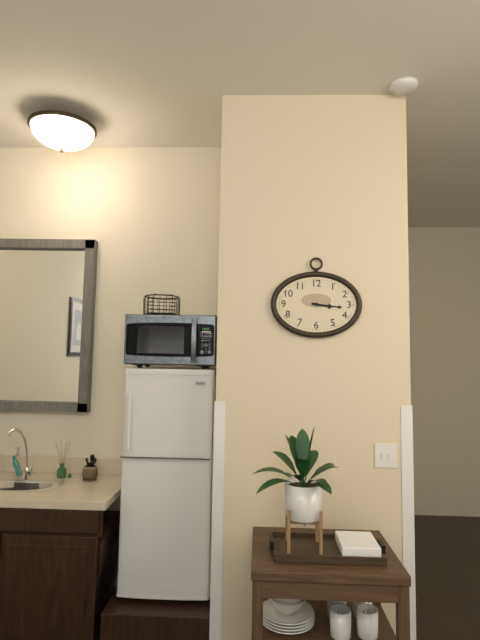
3:16
